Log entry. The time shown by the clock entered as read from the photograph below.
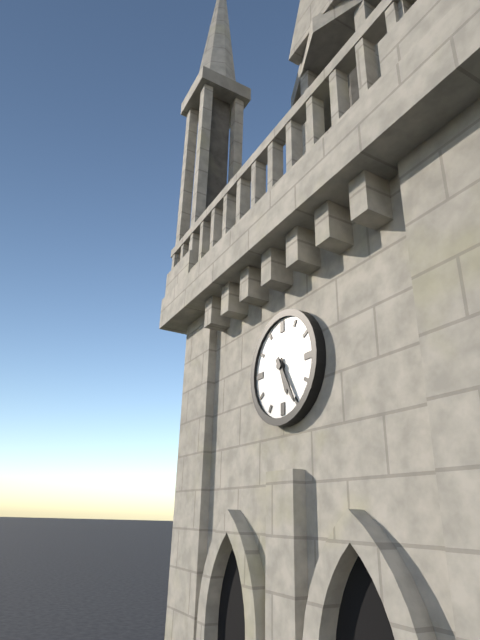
5:25
